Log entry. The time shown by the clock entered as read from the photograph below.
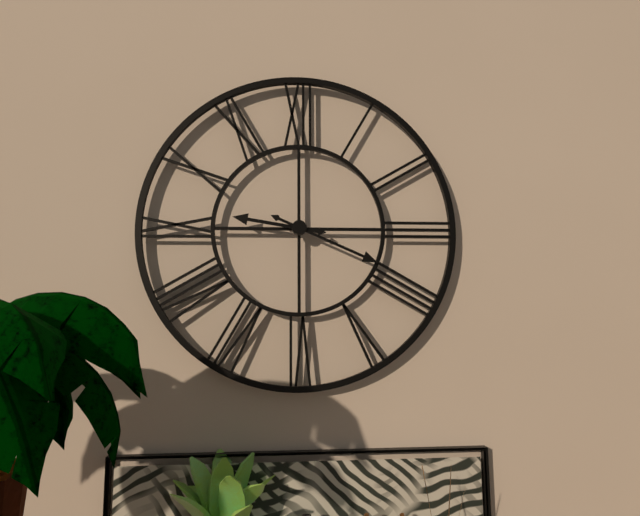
9:19
